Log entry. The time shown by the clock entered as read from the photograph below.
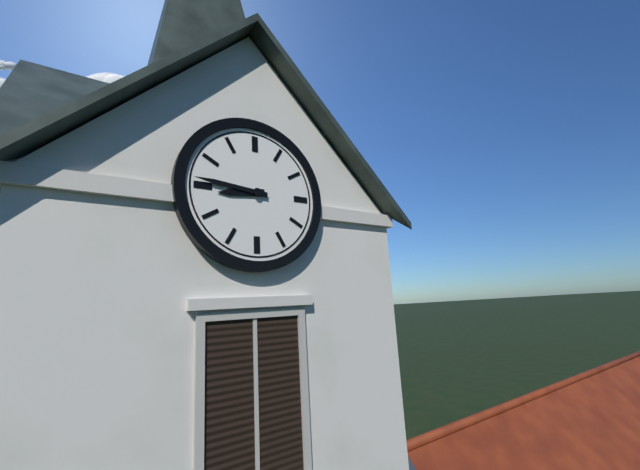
8:46
